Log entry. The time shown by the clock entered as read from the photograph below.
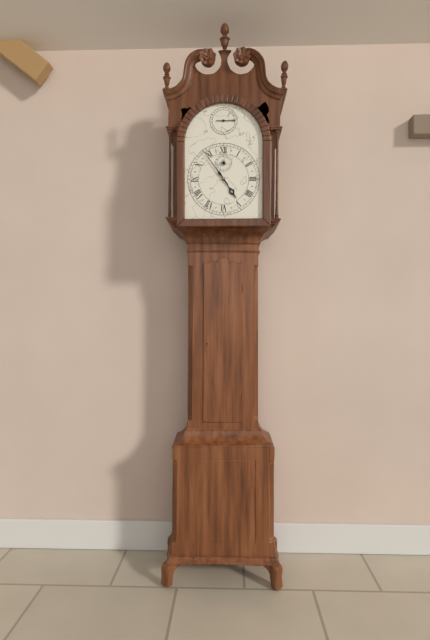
4:54
